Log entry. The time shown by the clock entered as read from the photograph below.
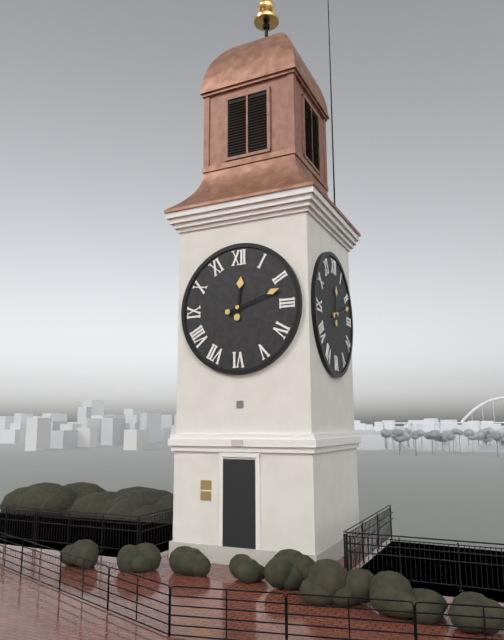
12:12
